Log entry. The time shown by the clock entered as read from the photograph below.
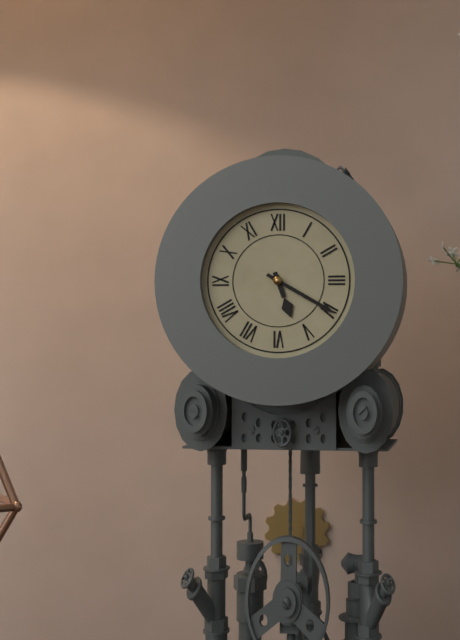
5:20
